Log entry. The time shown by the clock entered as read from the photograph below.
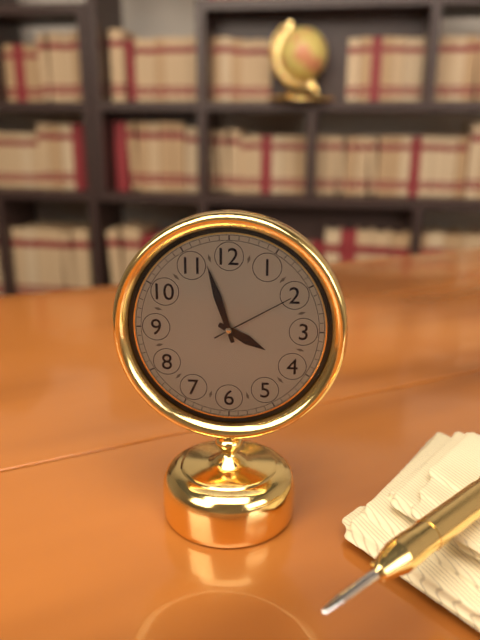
3:57:10
